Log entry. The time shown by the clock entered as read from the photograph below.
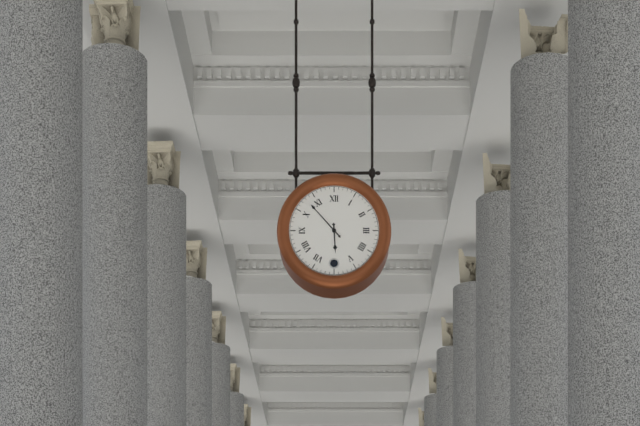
5:53
